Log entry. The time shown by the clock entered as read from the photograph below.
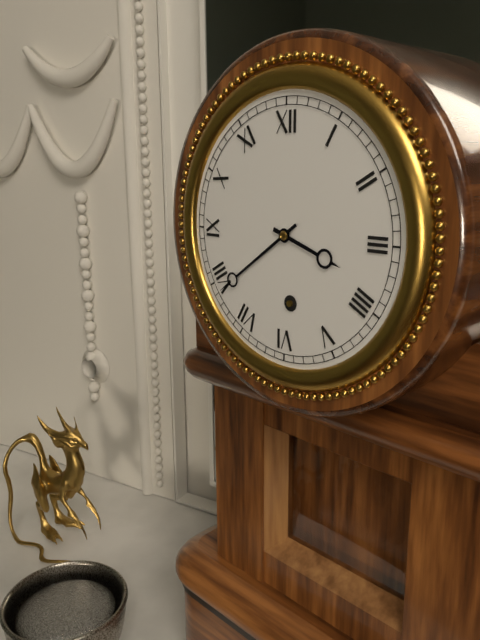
3:39
